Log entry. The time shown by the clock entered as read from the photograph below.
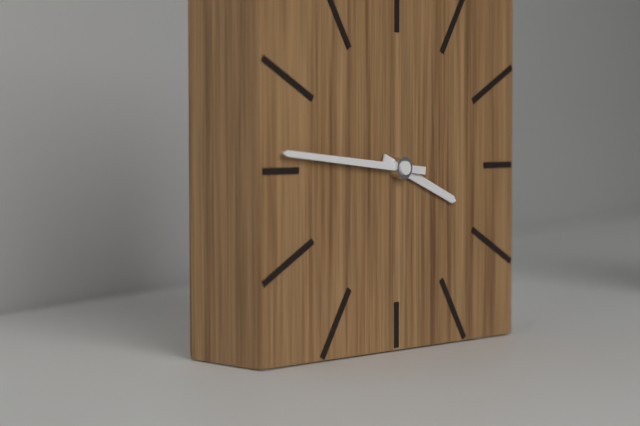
3:46
